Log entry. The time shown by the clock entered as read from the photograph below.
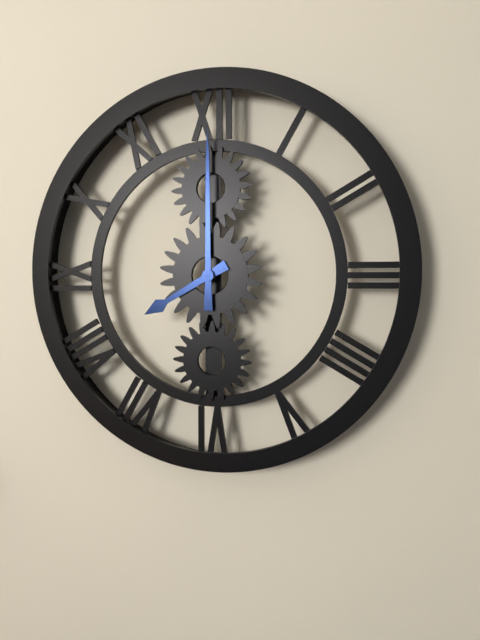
8:00
